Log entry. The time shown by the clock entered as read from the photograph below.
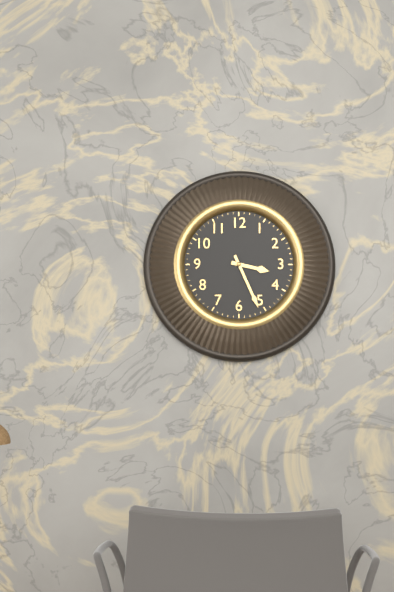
3:26
